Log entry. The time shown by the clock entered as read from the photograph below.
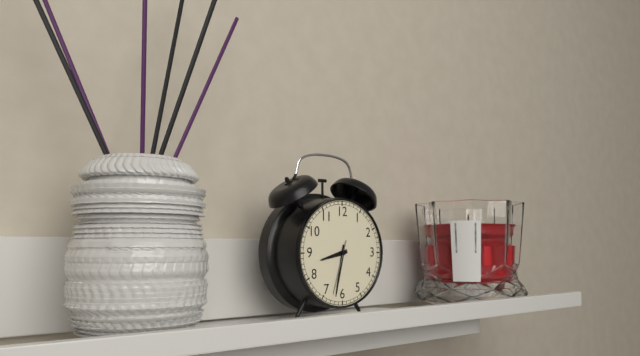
8:32:33
